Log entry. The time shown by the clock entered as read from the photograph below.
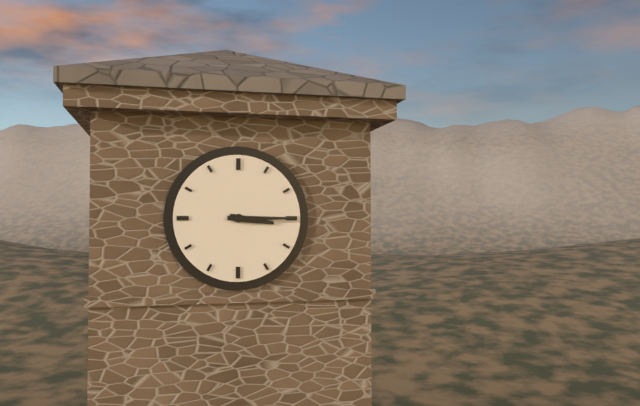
3:15
